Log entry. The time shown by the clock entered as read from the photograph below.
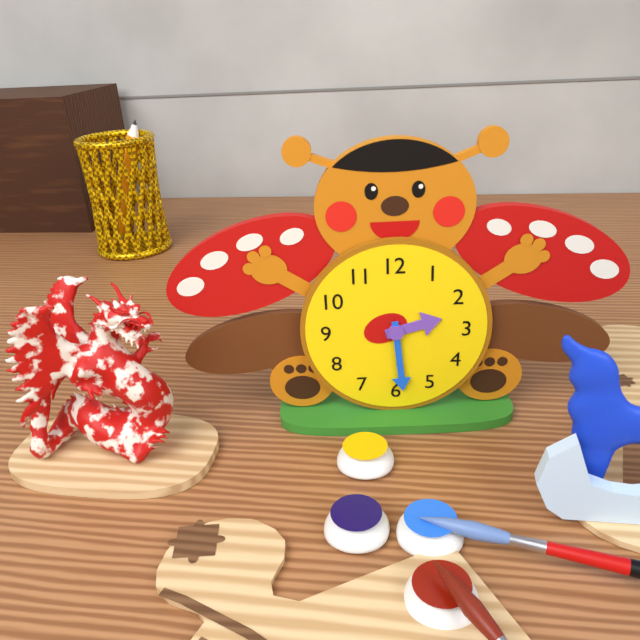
2:29
